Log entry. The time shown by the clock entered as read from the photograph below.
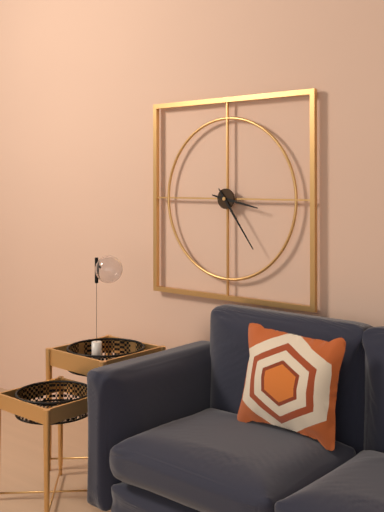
3:24
